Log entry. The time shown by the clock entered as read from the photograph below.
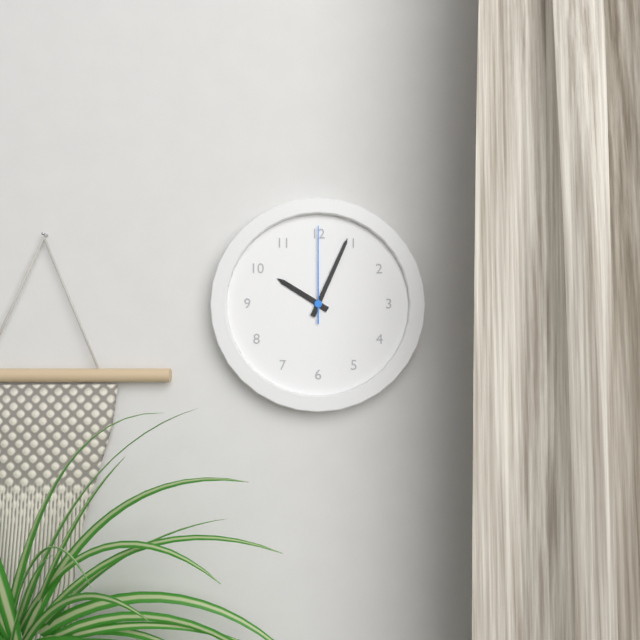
10:04:00
